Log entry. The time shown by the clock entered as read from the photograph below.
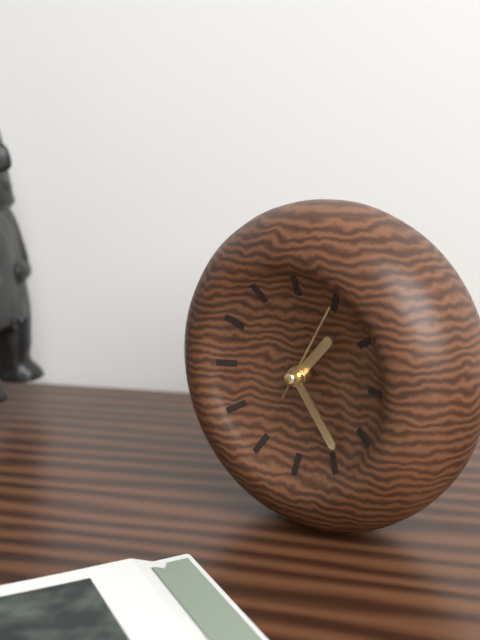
1:24:05
